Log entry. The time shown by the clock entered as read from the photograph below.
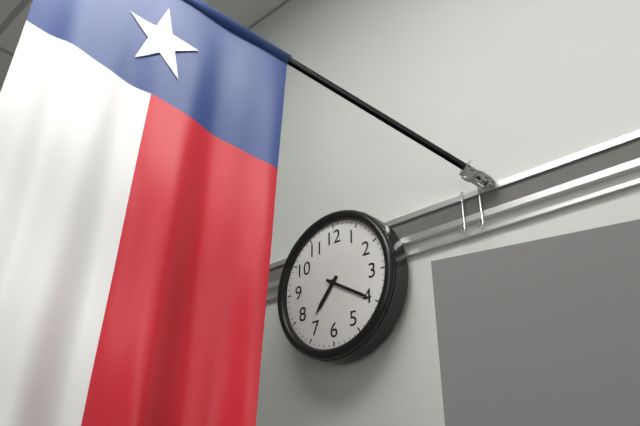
7:20
